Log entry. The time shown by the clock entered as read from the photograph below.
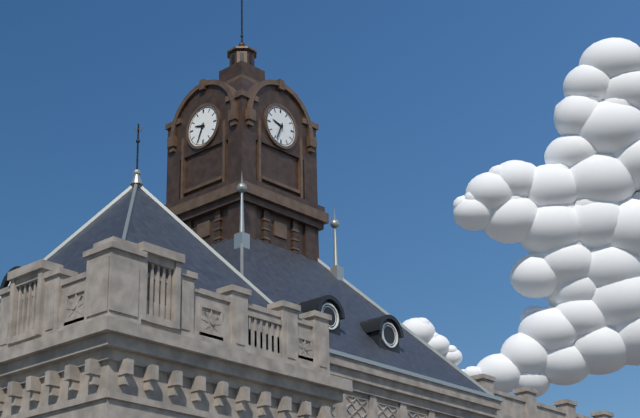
9:34
